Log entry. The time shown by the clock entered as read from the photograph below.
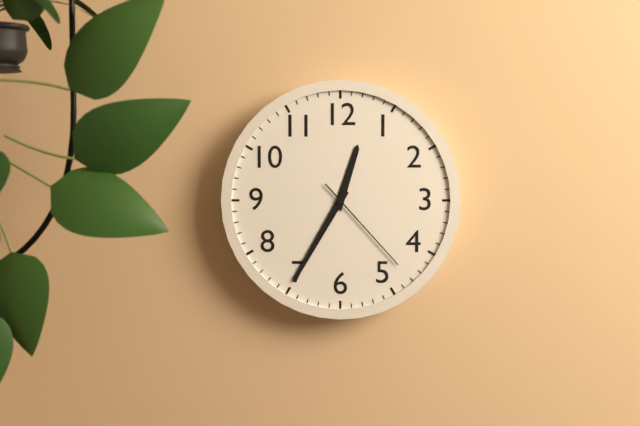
12:35:23
